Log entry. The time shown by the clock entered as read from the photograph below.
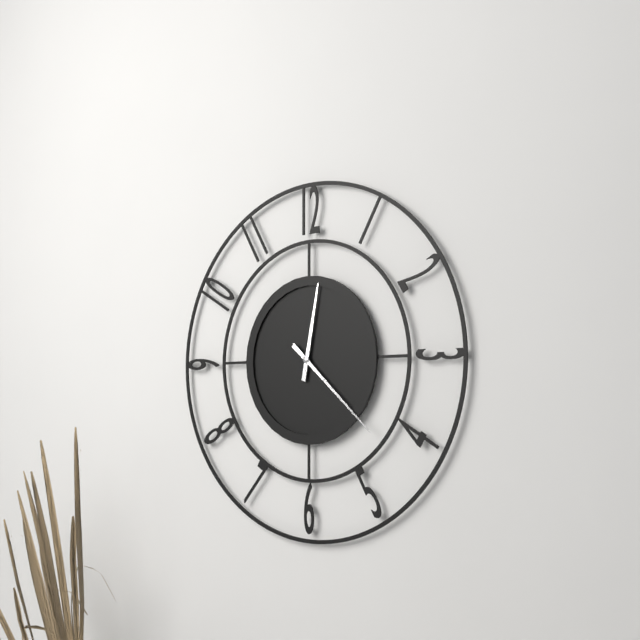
12:22
